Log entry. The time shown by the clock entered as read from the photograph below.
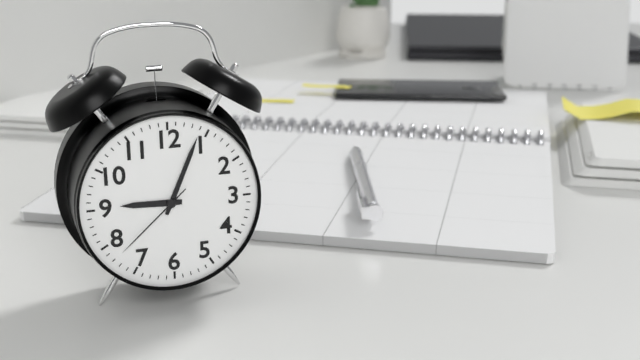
9:04:38
